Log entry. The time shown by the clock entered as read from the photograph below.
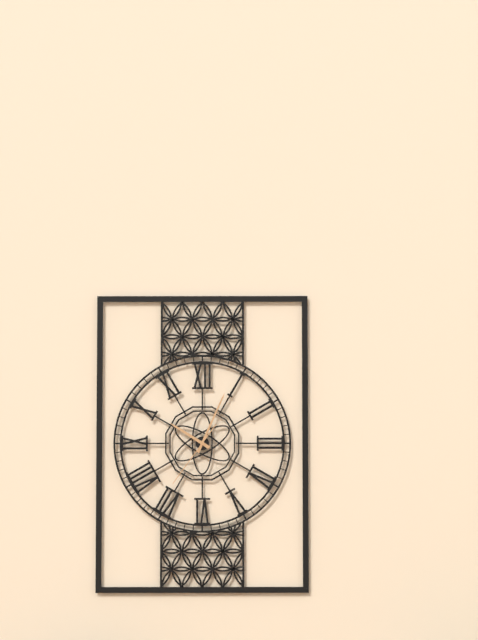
10:04:36
